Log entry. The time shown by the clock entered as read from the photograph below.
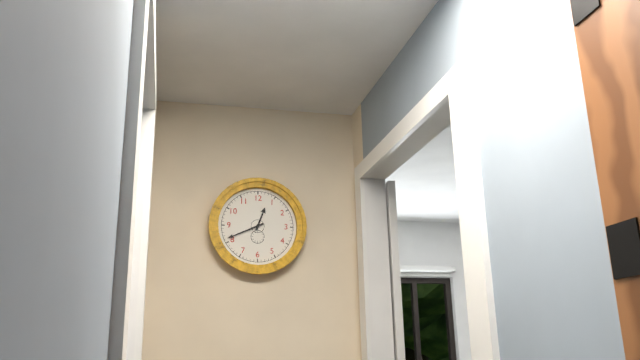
12:41
